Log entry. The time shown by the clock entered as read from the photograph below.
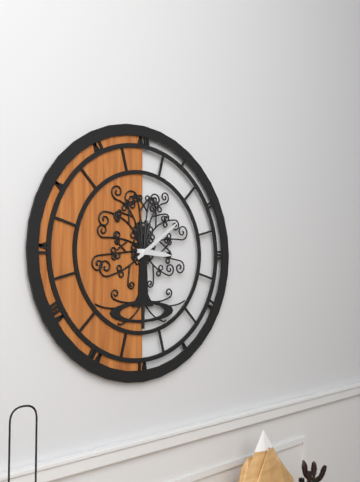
3:09
